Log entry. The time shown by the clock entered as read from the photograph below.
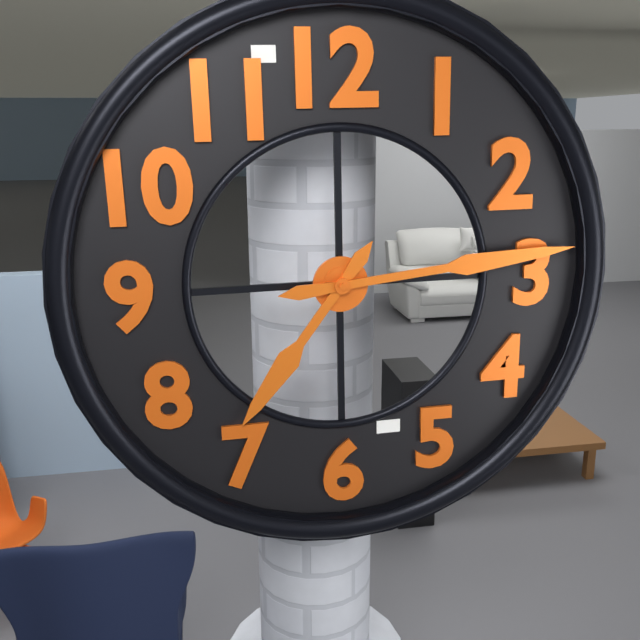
7:14
